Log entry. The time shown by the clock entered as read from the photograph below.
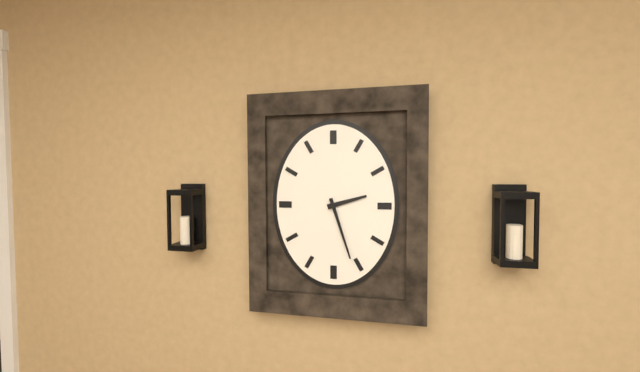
2:27
